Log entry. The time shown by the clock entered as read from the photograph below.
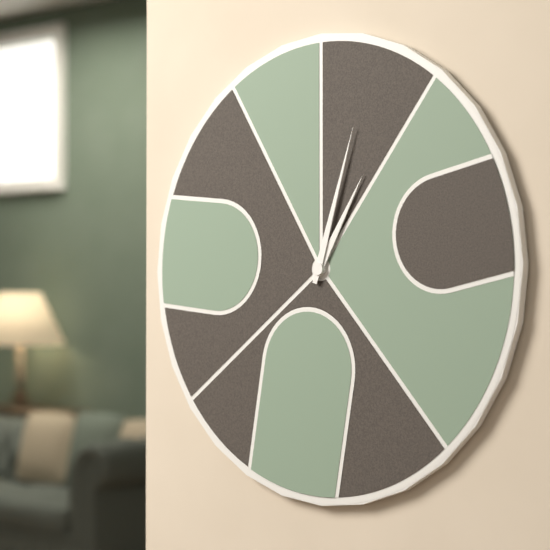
1:03
